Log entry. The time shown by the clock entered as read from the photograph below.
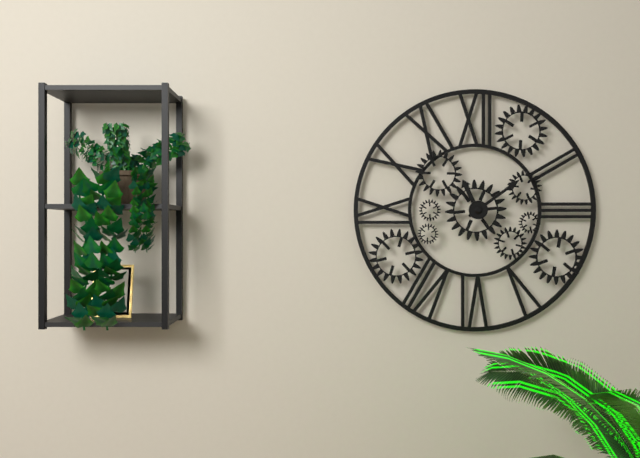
11:09
